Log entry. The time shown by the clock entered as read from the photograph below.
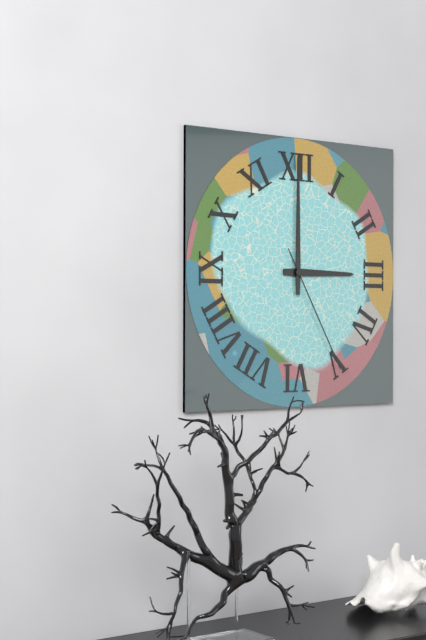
3:00:25
